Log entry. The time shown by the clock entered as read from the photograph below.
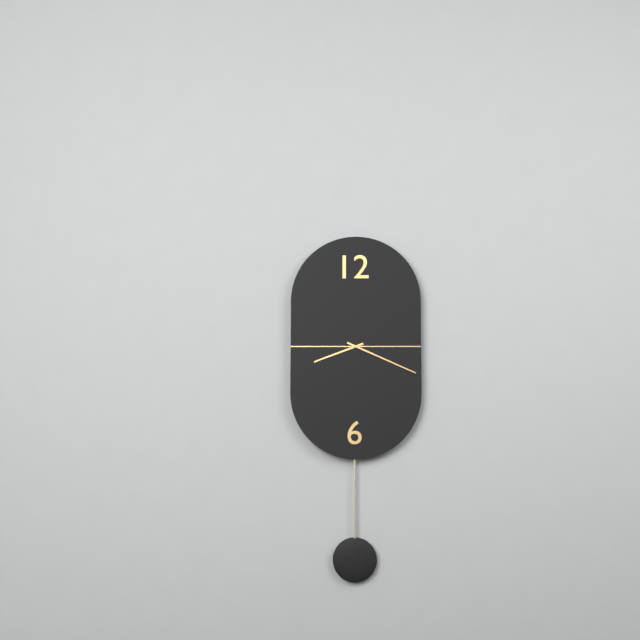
8:19
